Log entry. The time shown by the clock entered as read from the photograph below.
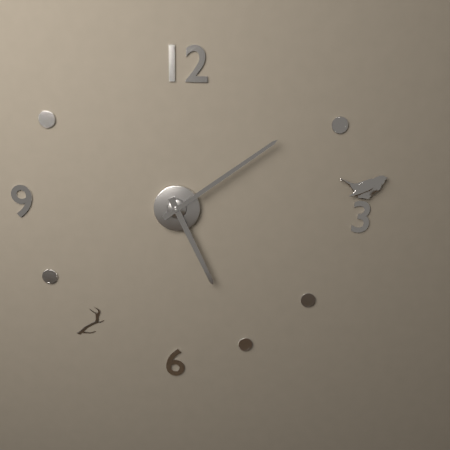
5:09
